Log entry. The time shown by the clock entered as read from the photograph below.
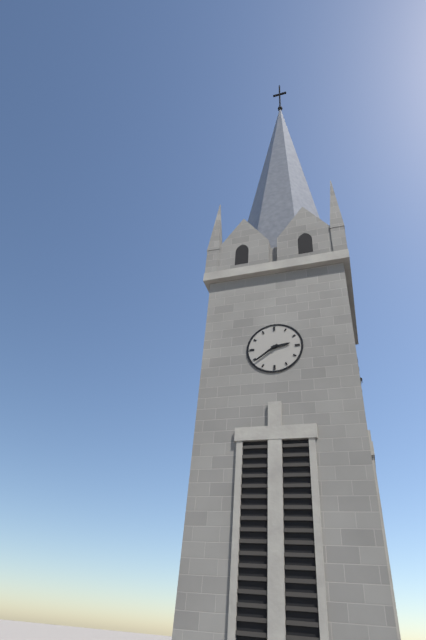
2:39
